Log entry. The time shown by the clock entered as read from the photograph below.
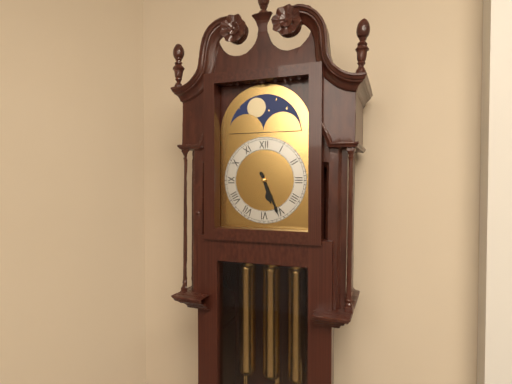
5:26
